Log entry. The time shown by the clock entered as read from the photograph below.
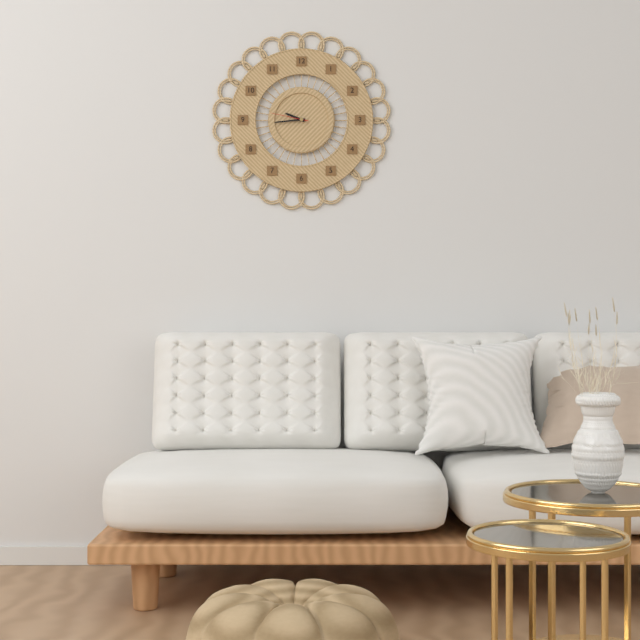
9:44
